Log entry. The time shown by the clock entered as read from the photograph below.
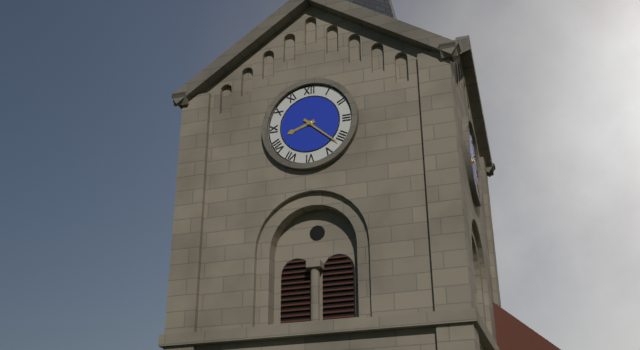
8:22
